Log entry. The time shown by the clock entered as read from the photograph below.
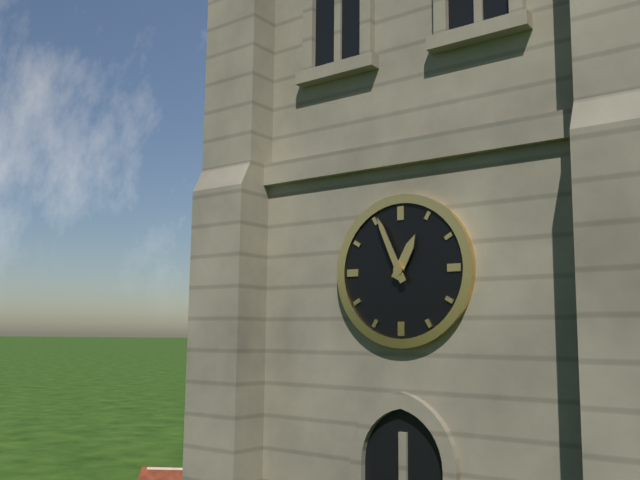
12:56
